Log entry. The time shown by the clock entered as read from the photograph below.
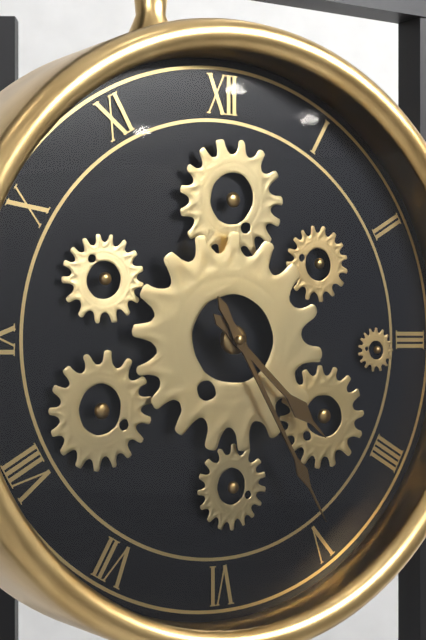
4:25
